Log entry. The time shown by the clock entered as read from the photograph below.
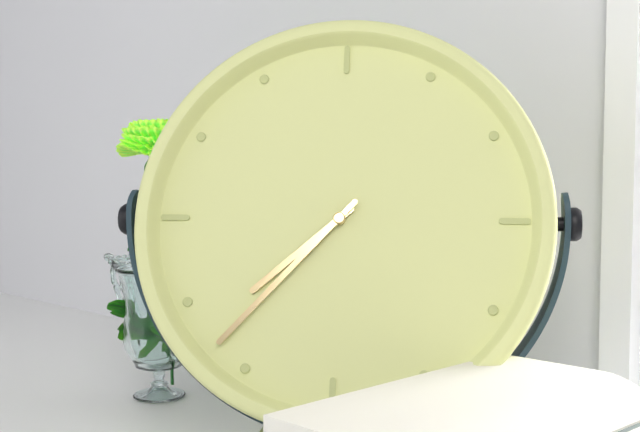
7:37
